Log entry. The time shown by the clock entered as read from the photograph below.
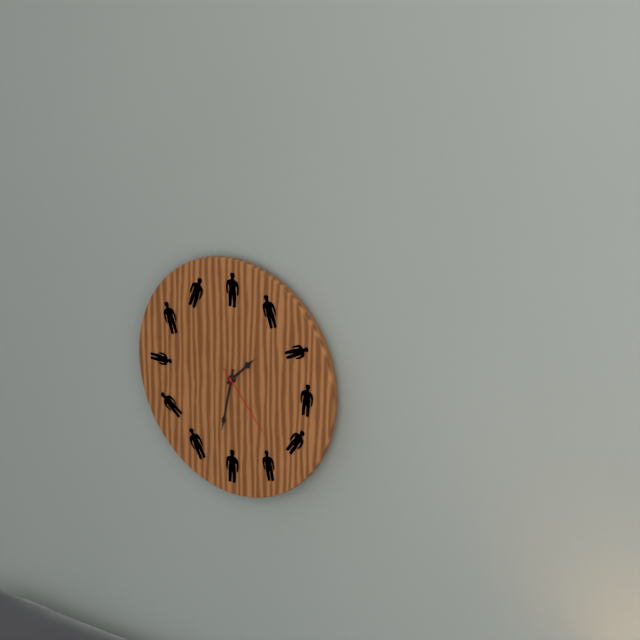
1:32:23
